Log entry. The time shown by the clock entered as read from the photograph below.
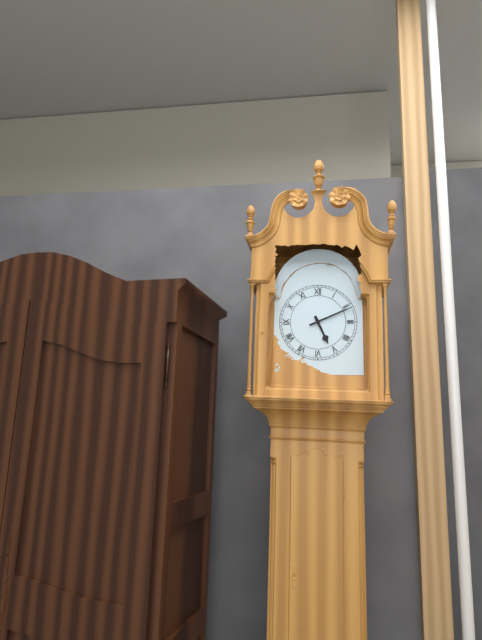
5:11
